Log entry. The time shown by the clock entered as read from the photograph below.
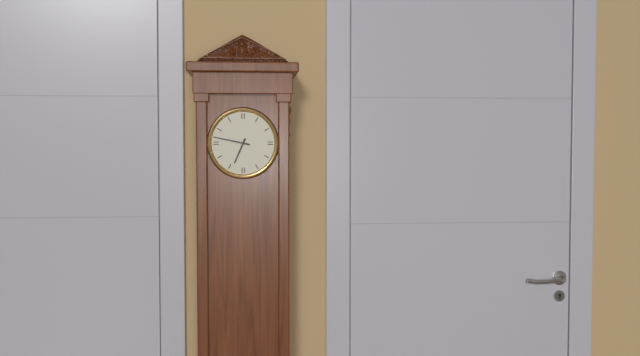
6:47
